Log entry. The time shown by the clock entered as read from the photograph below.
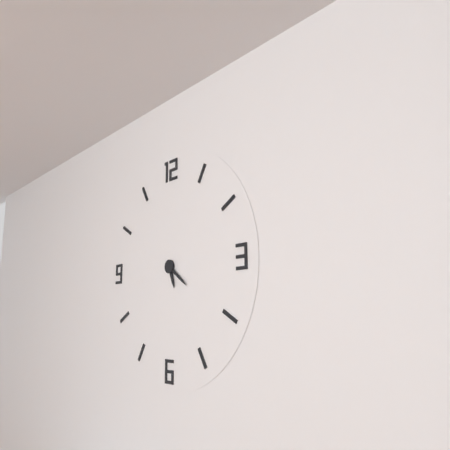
5:21
